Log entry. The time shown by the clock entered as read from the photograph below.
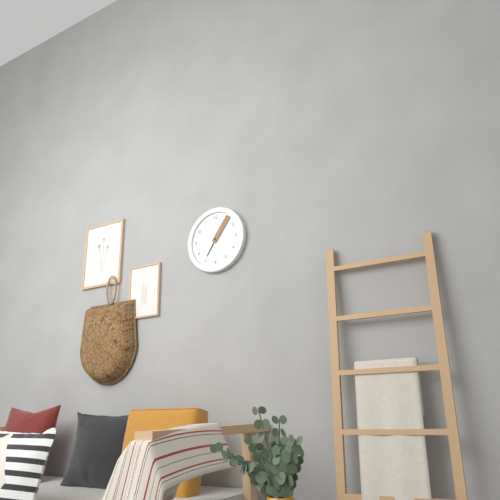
7:06
